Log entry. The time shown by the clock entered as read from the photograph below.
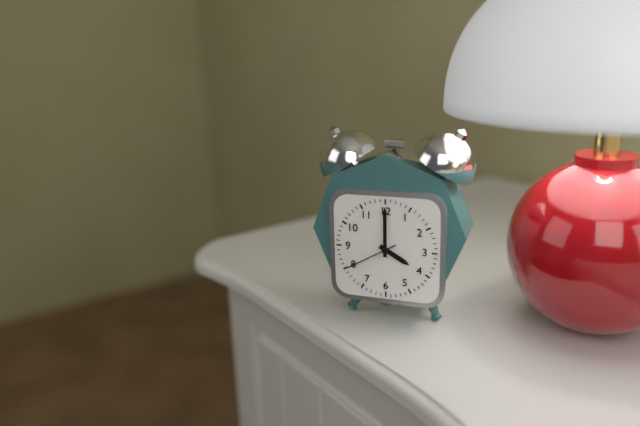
4:00:40
